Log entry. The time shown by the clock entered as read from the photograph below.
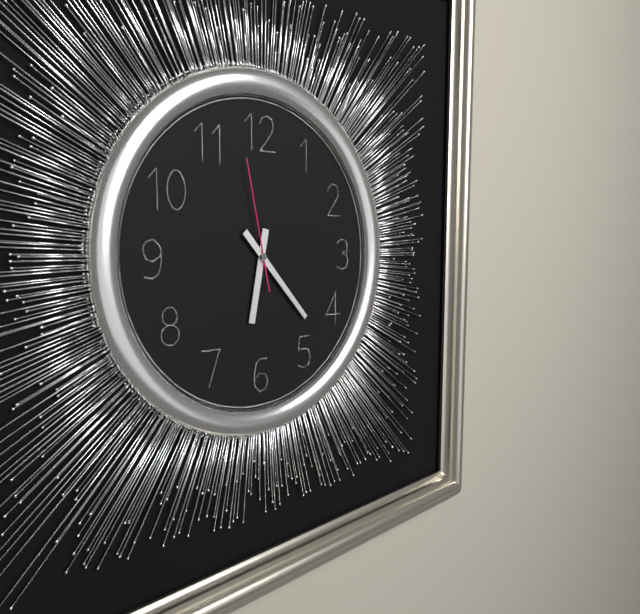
6:23:58
